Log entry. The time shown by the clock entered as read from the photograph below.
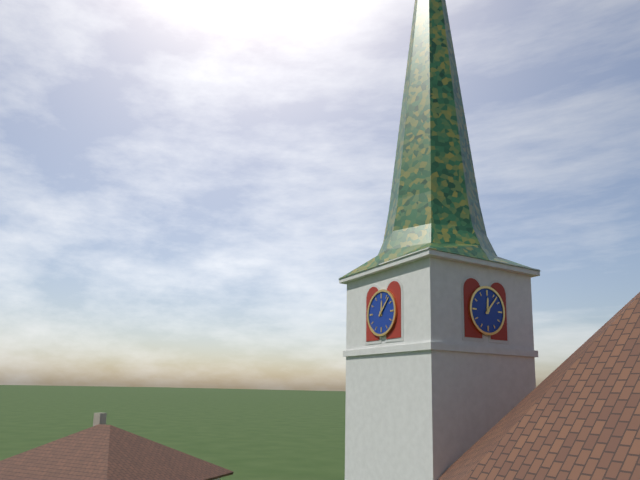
12:07
